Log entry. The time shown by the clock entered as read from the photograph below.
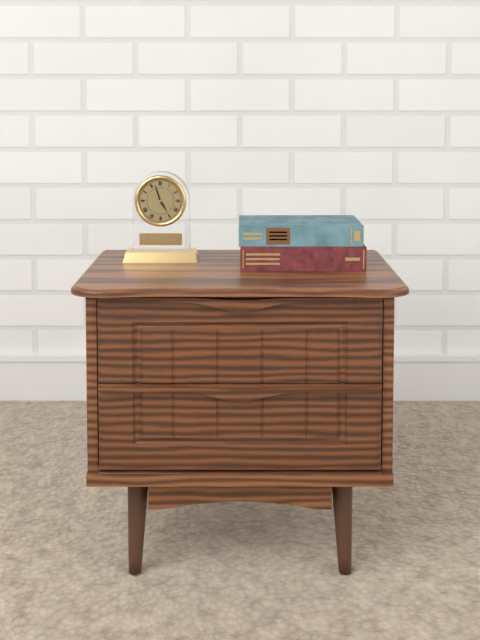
4:57
